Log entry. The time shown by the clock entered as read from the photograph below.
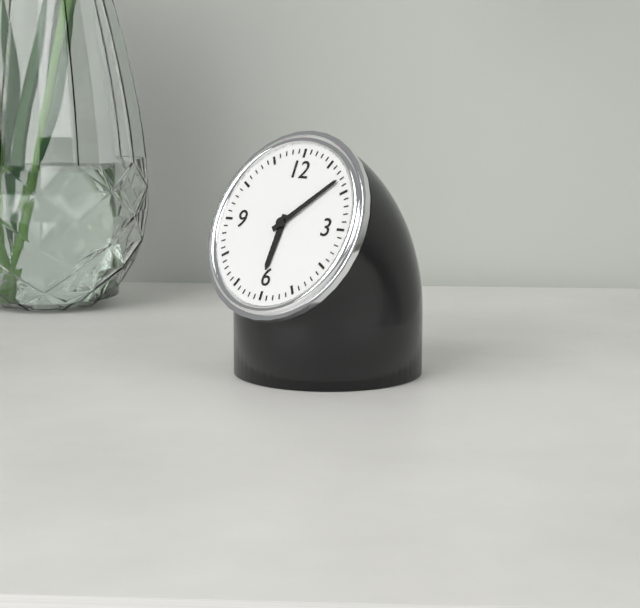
6:08
